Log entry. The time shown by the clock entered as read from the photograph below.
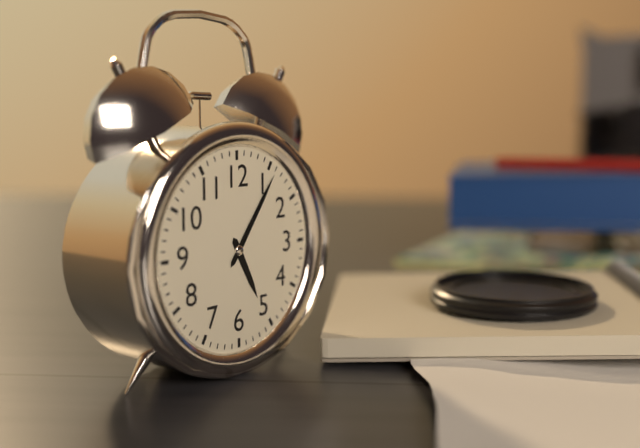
5:06
